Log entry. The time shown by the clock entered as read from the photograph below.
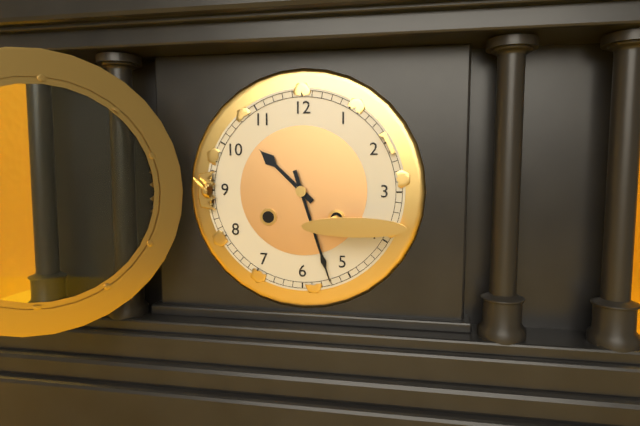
10:27
